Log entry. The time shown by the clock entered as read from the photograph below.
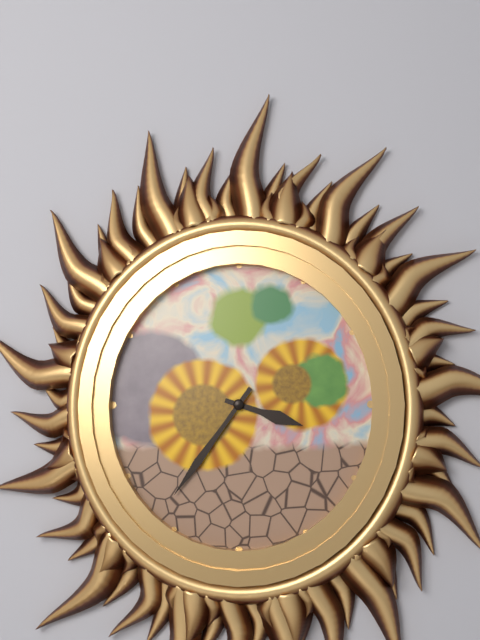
3:36
